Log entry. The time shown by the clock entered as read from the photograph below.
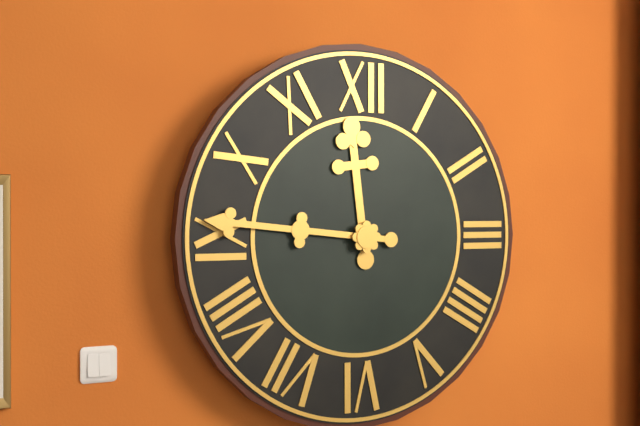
11:46
